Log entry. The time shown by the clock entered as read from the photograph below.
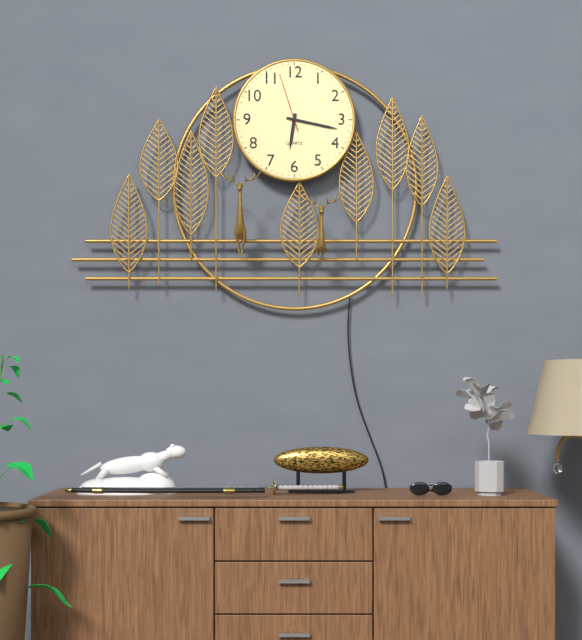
6:17:57
